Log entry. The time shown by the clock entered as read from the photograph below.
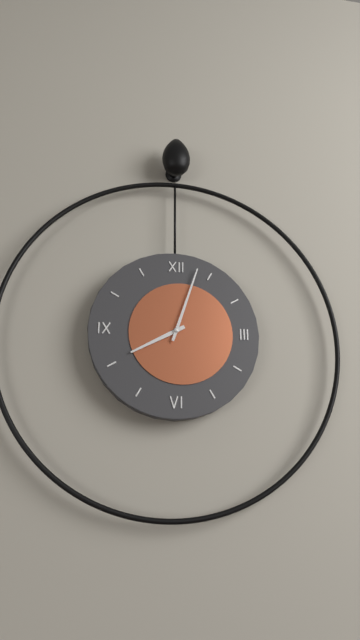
8:03
